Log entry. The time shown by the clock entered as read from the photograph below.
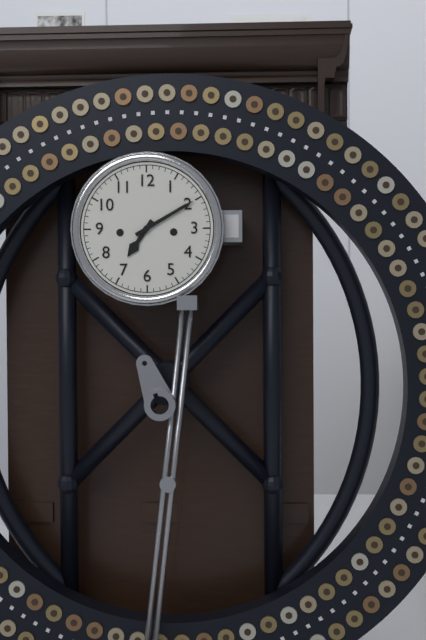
7:10
